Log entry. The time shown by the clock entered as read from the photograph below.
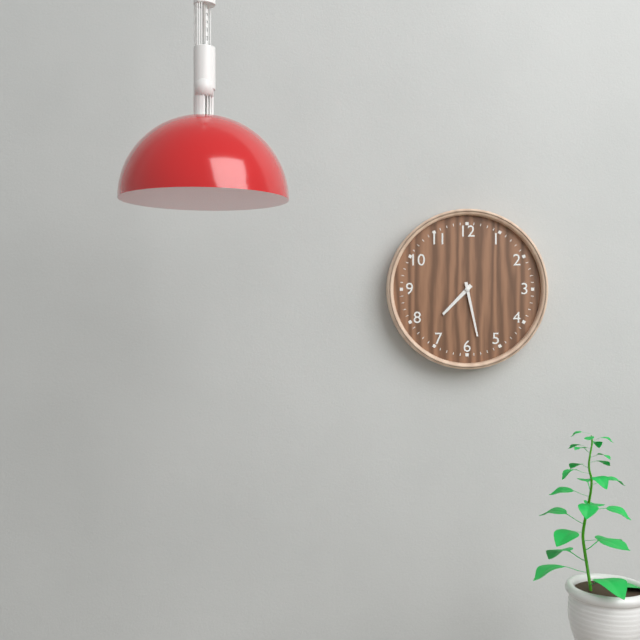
7:28
